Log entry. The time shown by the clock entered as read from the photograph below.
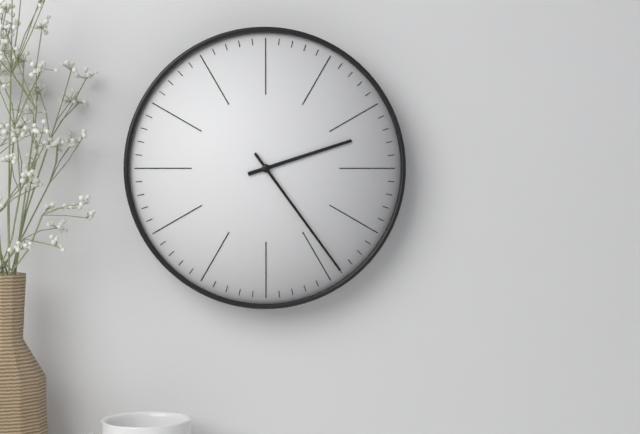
2:24
